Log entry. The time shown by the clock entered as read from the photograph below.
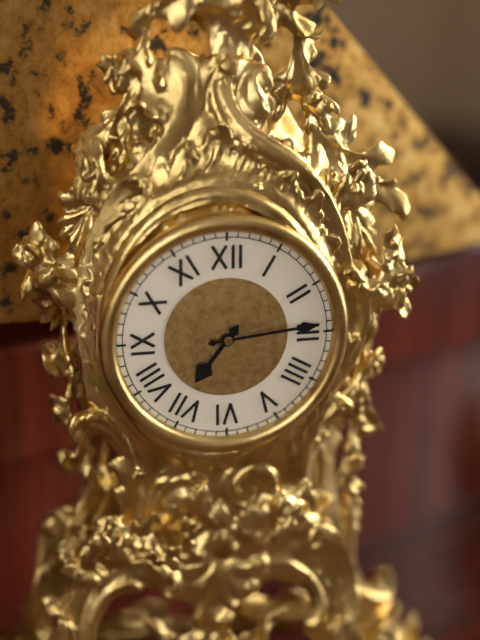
7:14
